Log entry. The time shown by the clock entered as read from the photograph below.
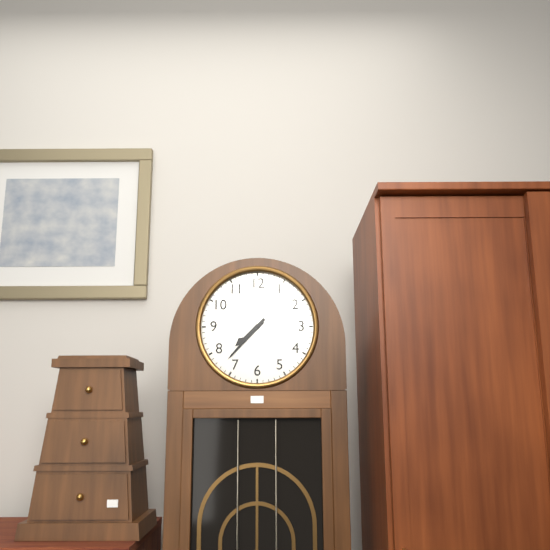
7:37
